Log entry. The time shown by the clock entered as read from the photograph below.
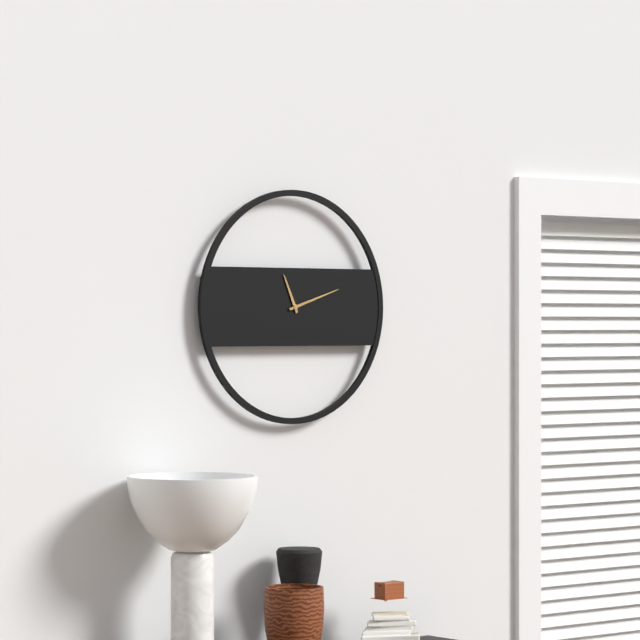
11:12
